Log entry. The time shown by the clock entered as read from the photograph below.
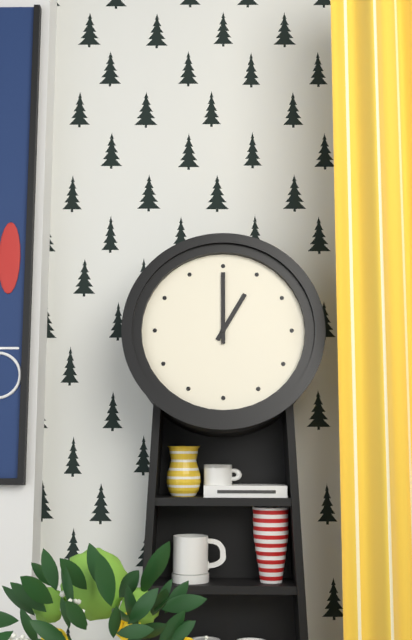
1:00
